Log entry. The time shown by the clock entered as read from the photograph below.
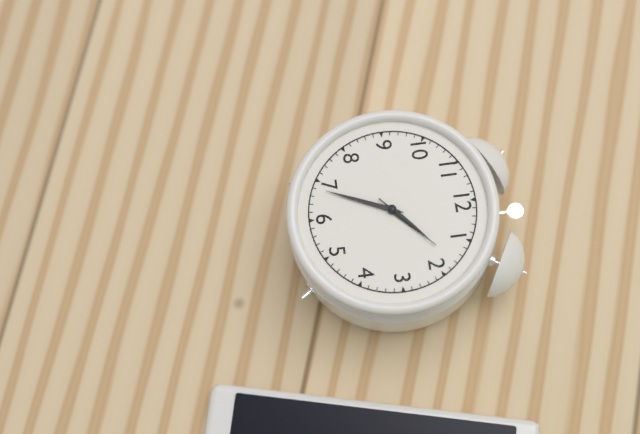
1:34:08
